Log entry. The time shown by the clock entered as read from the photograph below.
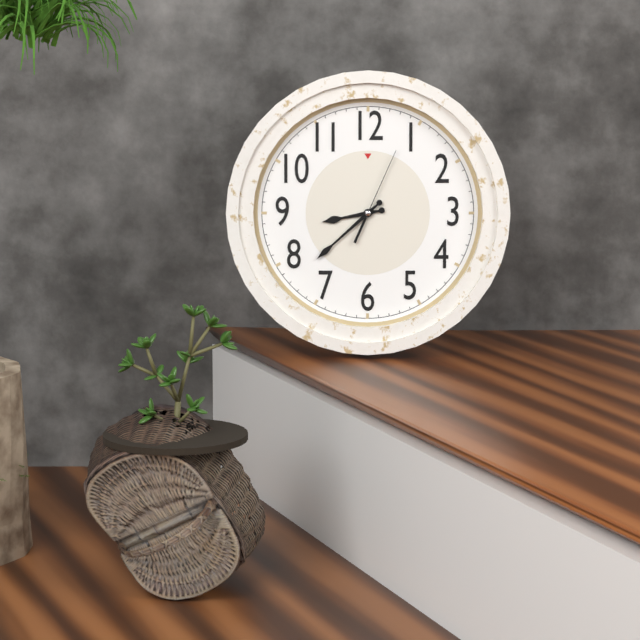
8:38:04
